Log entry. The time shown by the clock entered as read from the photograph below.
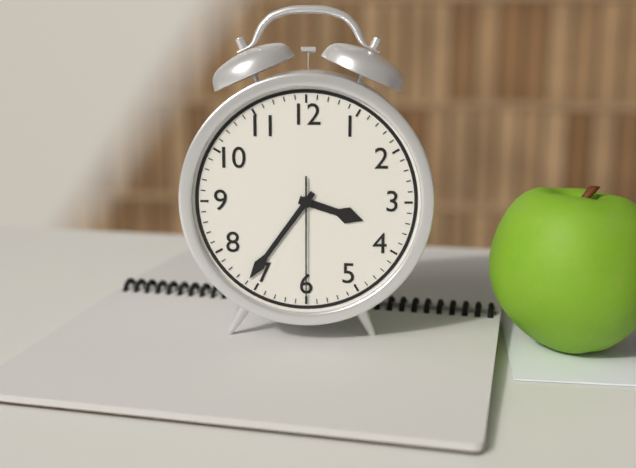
3:36:30
